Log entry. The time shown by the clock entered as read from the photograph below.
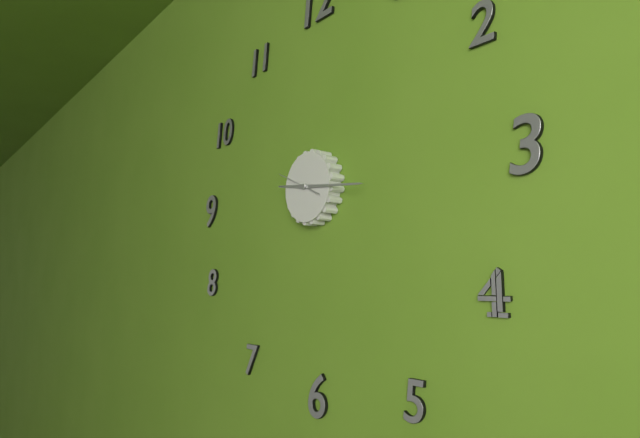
9:16:49
